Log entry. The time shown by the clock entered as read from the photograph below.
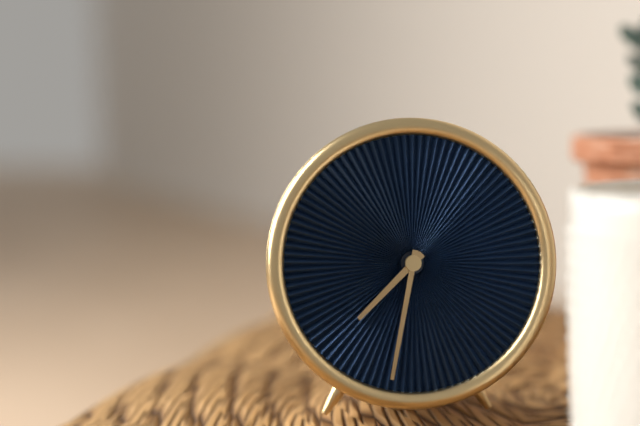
7:32
